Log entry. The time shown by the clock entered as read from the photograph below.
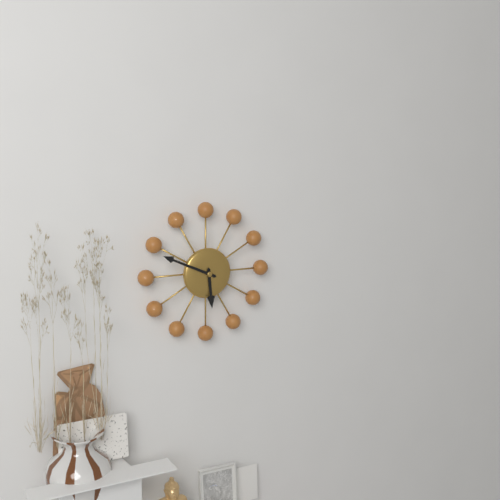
5:49
